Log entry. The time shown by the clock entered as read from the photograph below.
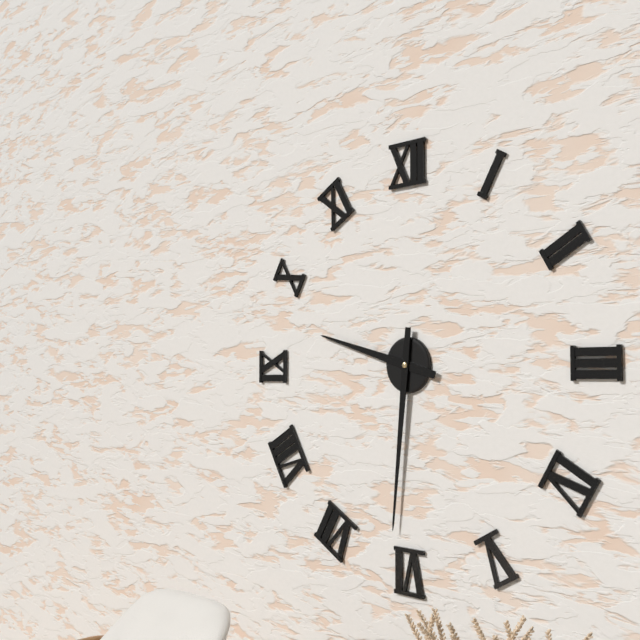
9:31
